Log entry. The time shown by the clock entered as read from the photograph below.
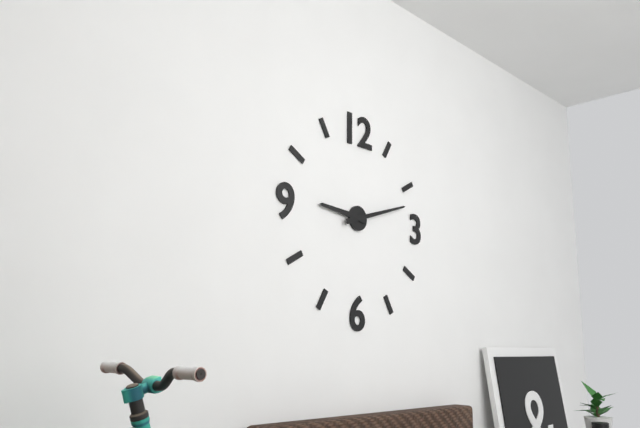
9:12
